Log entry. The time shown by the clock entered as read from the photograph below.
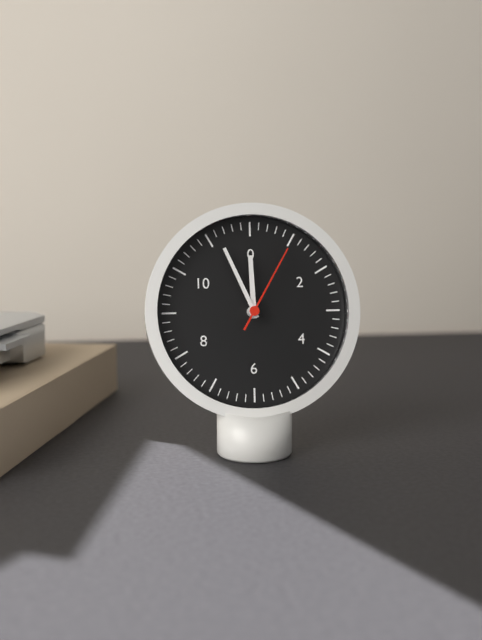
11:56:05
